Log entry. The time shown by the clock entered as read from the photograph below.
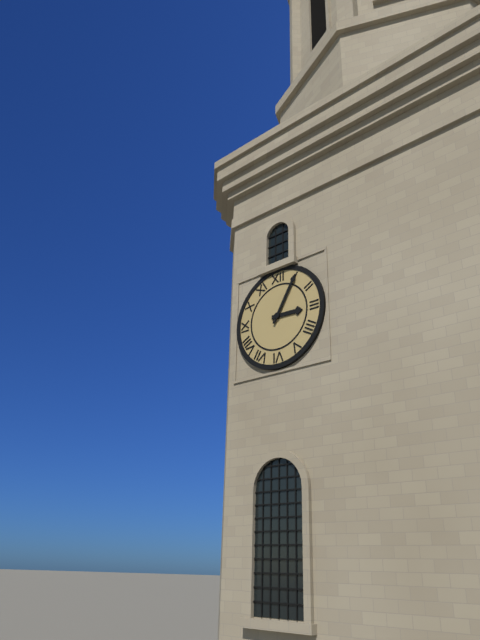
3:05
